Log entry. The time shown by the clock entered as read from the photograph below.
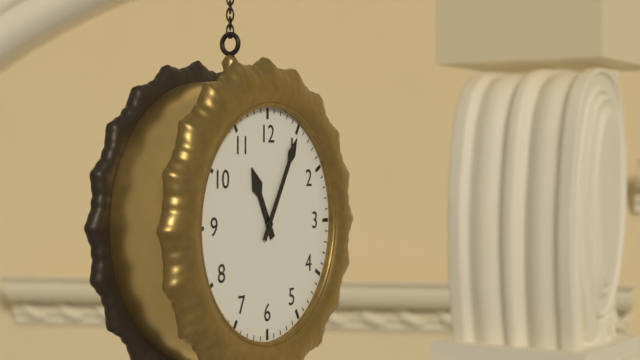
11:05
